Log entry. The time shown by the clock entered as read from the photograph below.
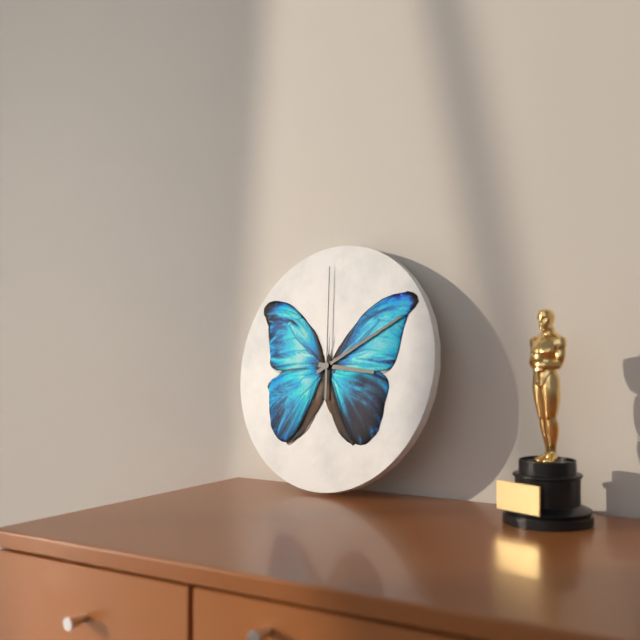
3:10:59
